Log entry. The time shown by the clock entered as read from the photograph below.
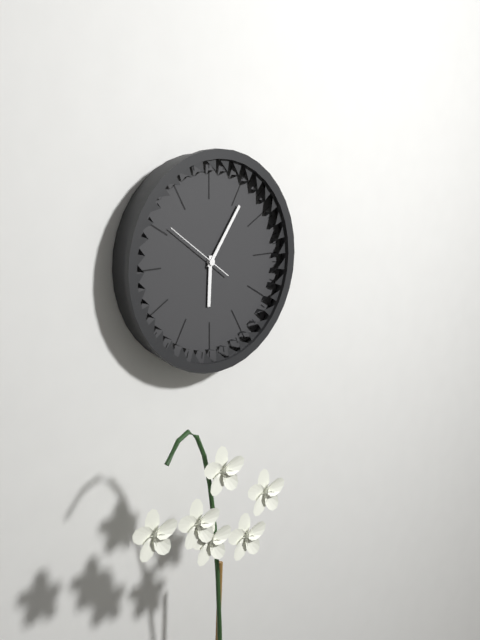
6:06:51
